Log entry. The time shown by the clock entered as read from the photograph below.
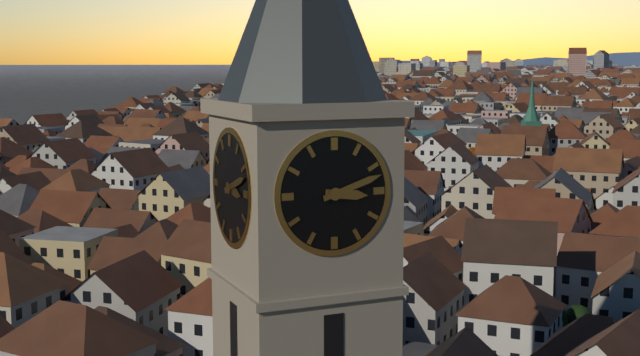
3:12
